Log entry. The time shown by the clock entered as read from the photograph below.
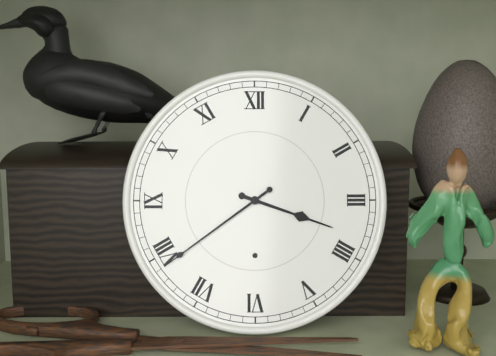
3:39
